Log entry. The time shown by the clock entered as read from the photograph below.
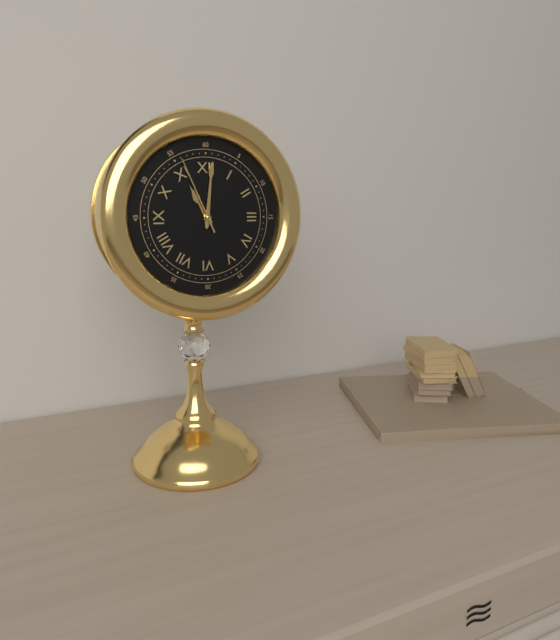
11:01:56
